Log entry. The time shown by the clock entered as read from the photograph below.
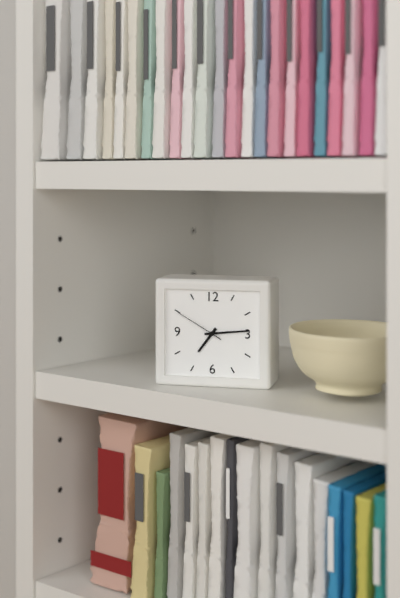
7:14
